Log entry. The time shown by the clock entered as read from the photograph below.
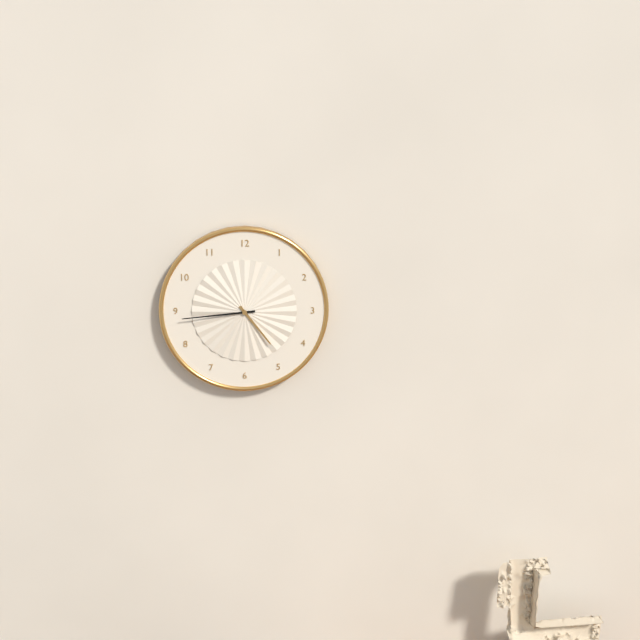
4:44
